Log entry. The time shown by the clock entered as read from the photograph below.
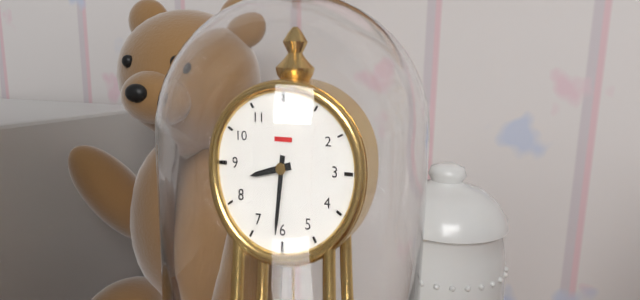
8:31
